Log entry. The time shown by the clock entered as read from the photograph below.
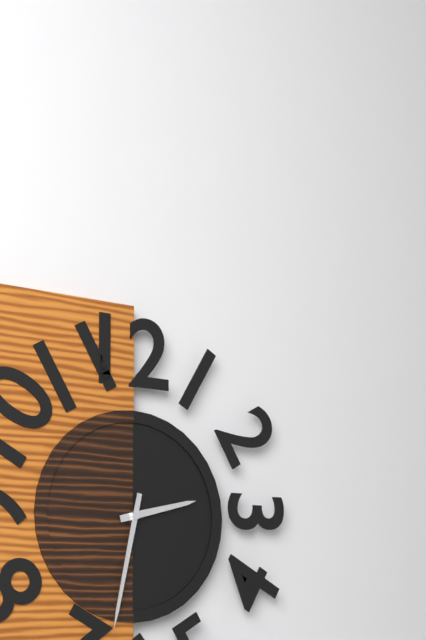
2:32
